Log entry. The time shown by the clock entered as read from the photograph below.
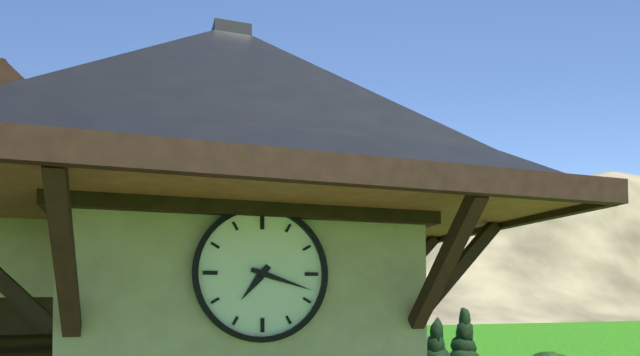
7:18
